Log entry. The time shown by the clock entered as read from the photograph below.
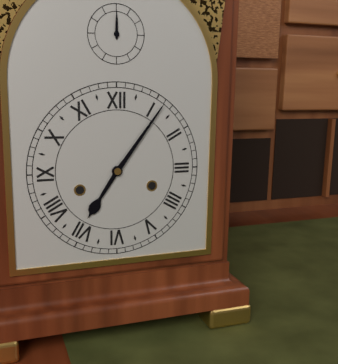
7:06
